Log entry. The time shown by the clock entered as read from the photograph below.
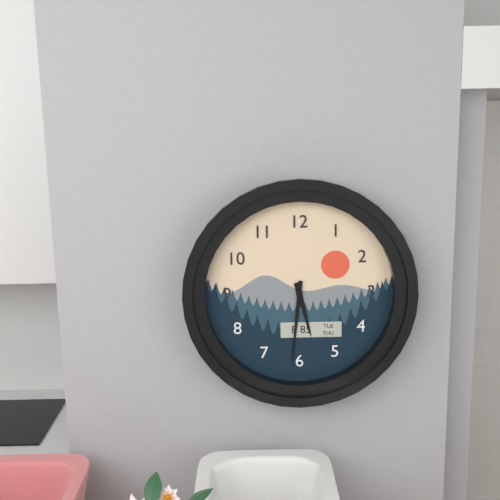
5:31
